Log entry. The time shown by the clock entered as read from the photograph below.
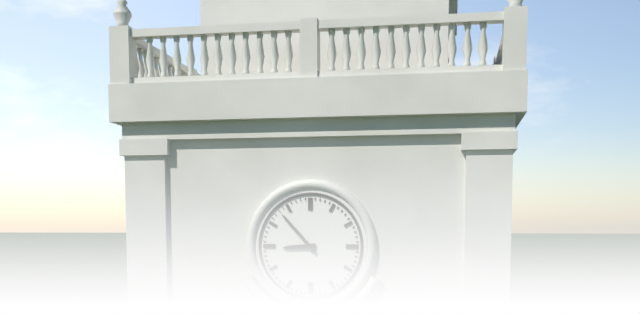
8:53
